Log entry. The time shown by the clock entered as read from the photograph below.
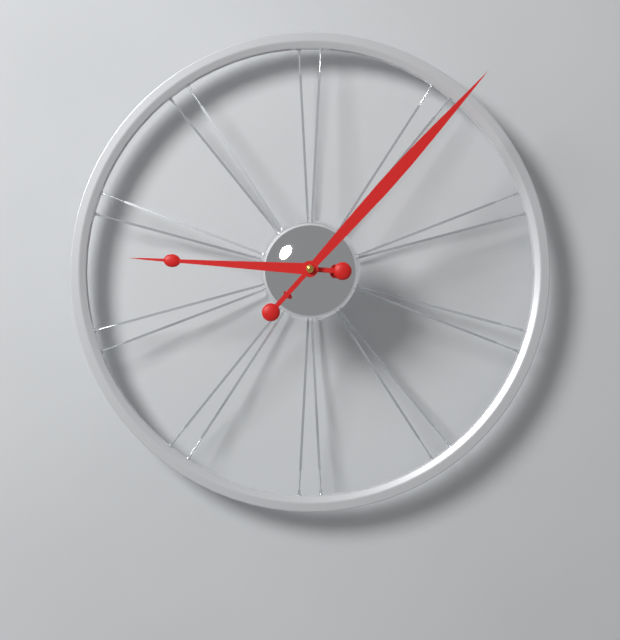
9:07
